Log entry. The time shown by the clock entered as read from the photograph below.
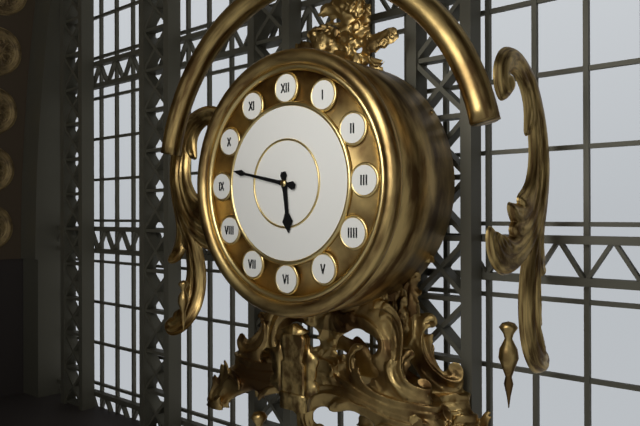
5:47
